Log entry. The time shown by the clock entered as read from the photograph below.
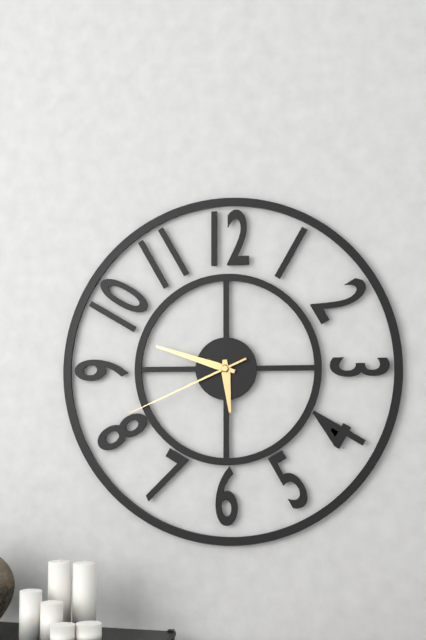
5:48:41
